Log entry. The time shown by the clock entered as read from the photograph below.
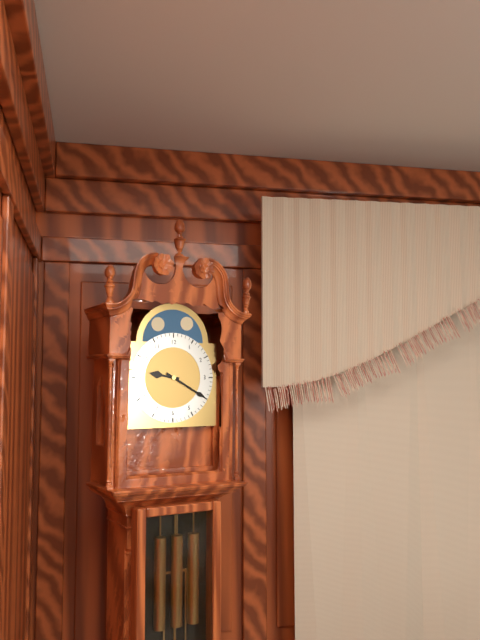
9:20
